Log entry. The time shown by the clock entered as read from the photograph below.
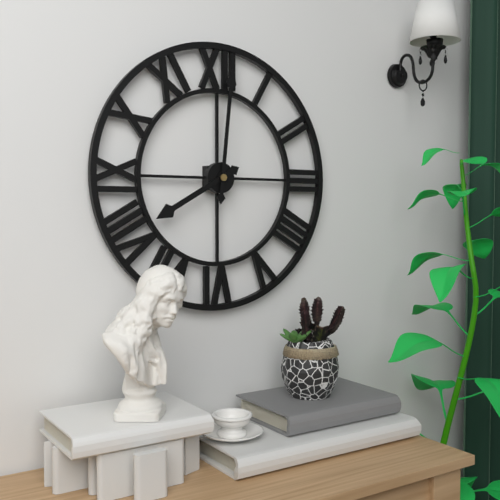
8:01
